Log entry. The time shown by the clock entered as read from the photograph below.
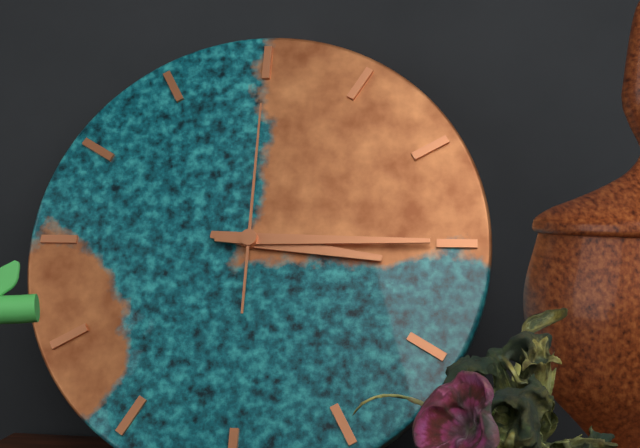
3:15:00
